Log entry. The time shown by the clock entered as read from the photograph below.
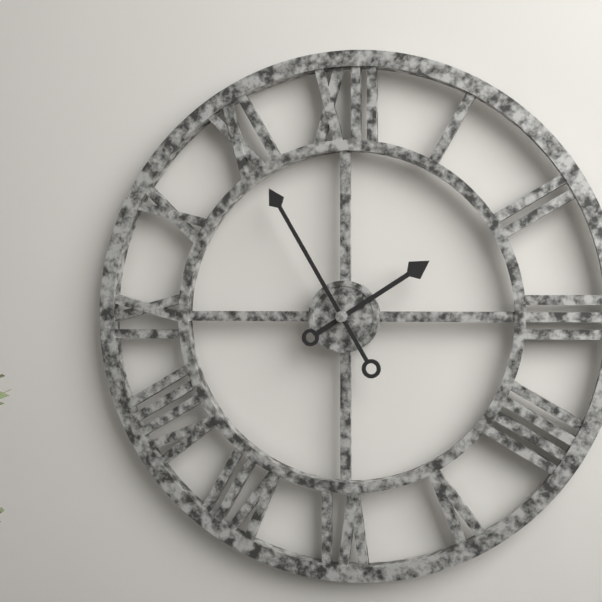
1:55
